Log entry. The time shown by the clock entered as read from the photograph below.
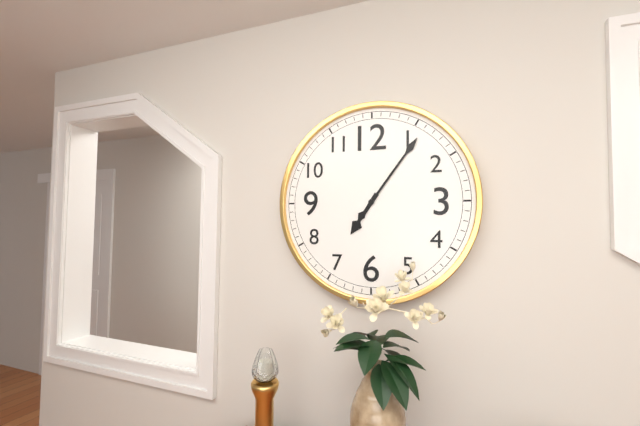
7:06
